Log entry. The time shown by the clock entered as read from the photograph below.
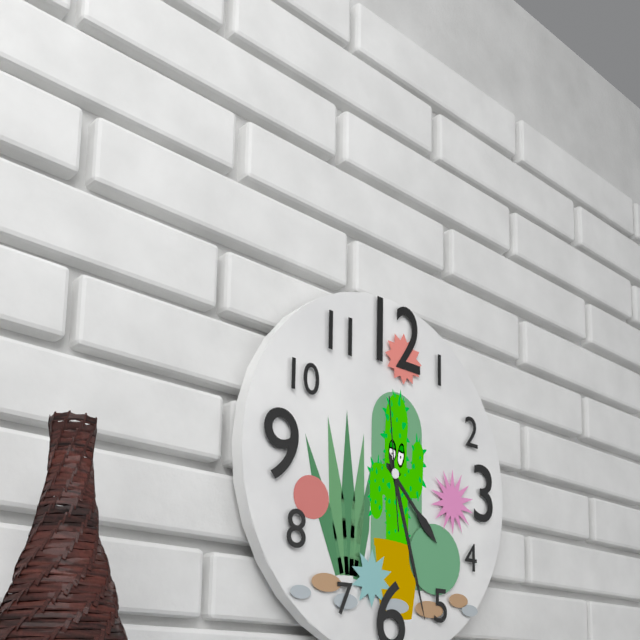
4:27:59
